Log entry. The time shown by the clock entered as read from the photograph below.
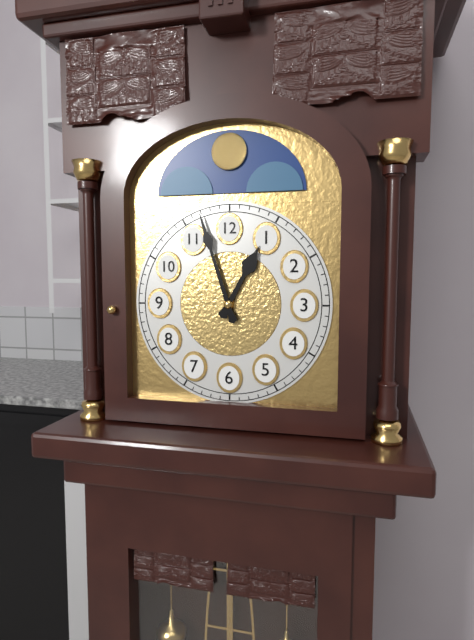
12:57
